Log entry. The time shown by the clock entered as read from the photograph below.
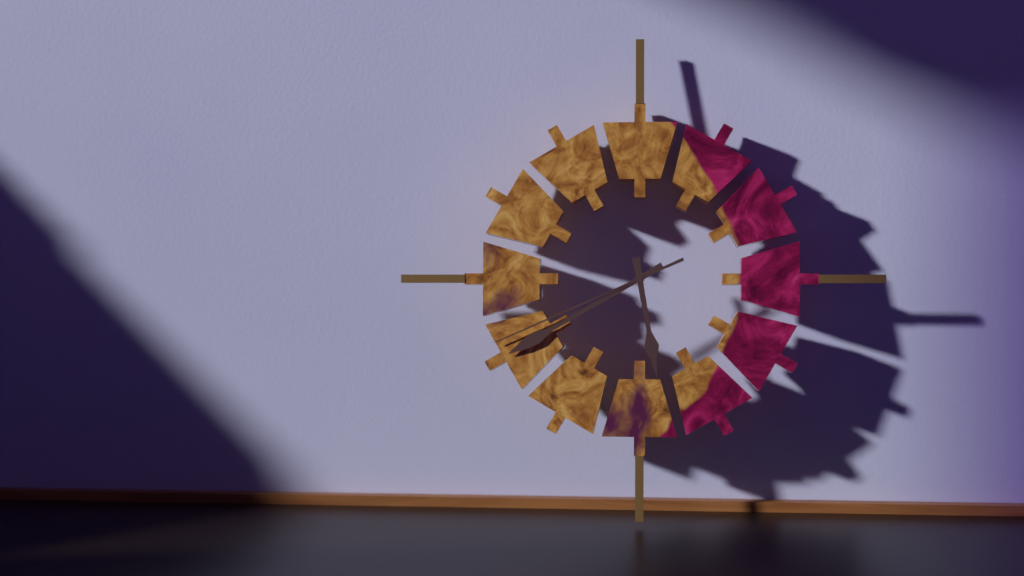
5:40:41
